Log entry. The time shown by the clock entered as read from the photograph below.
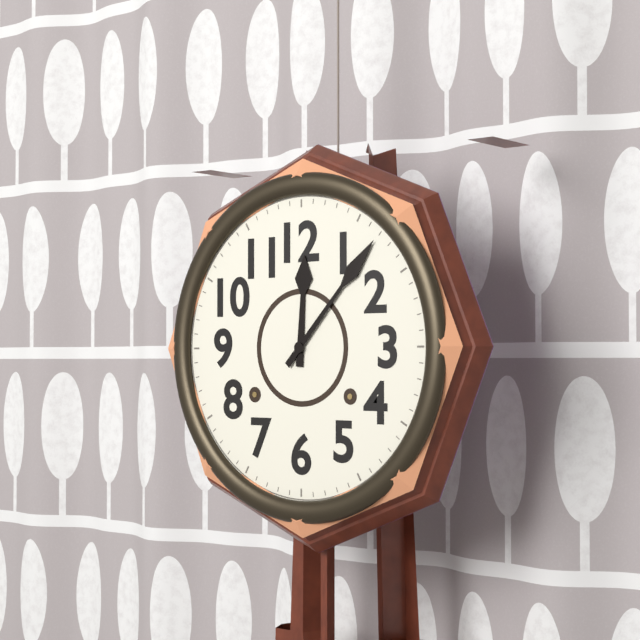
12:07
